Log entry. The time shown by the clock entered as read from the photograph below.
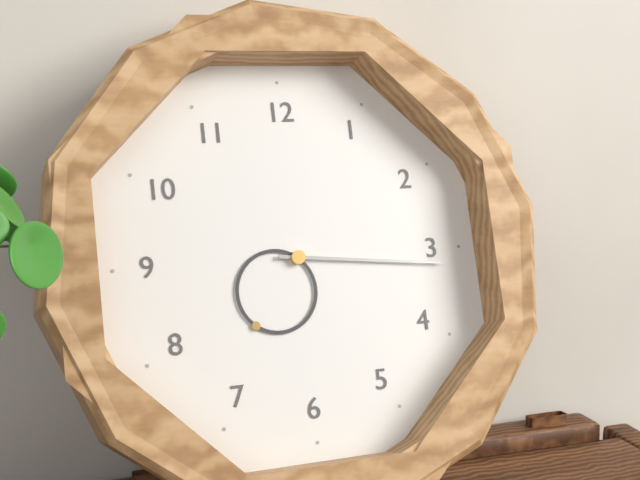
7:16
